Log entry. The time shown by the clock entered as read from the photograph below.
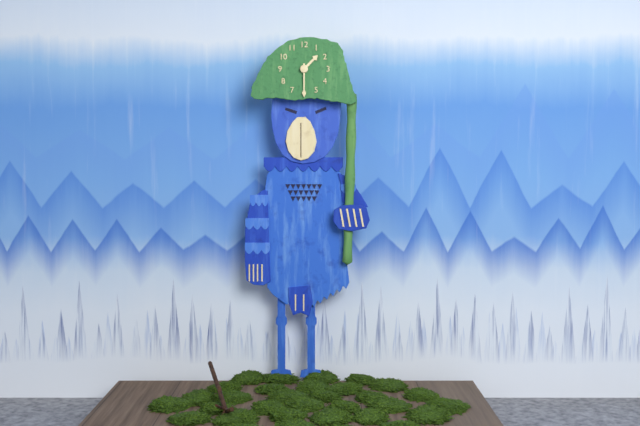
1:30
